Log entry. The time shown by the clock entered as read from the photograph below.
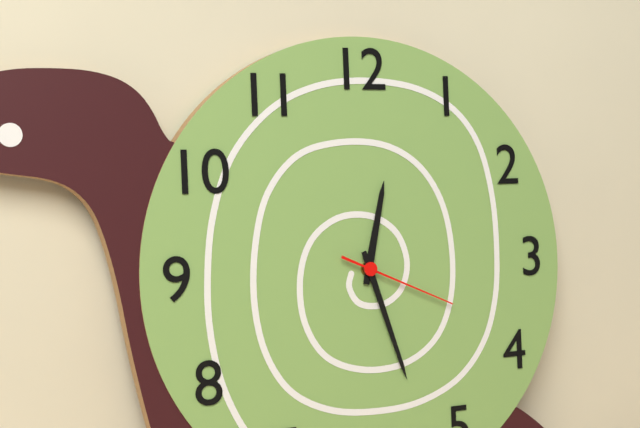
12:27:19
